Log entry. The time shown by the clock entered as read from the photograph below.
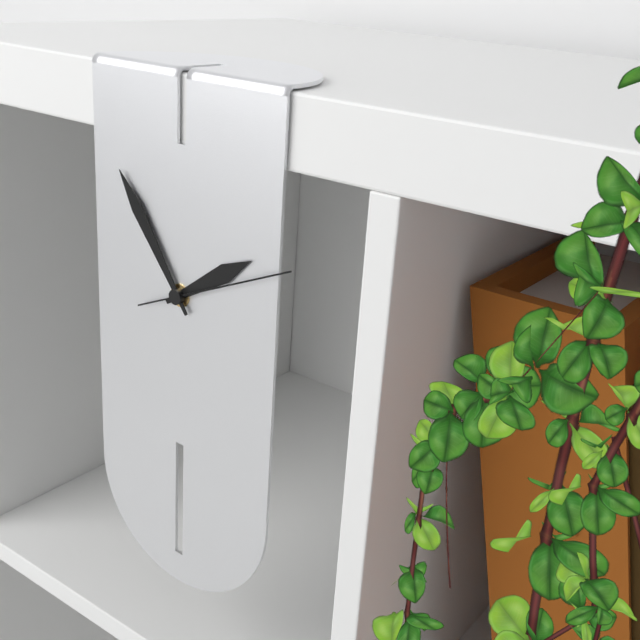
1:54:11
